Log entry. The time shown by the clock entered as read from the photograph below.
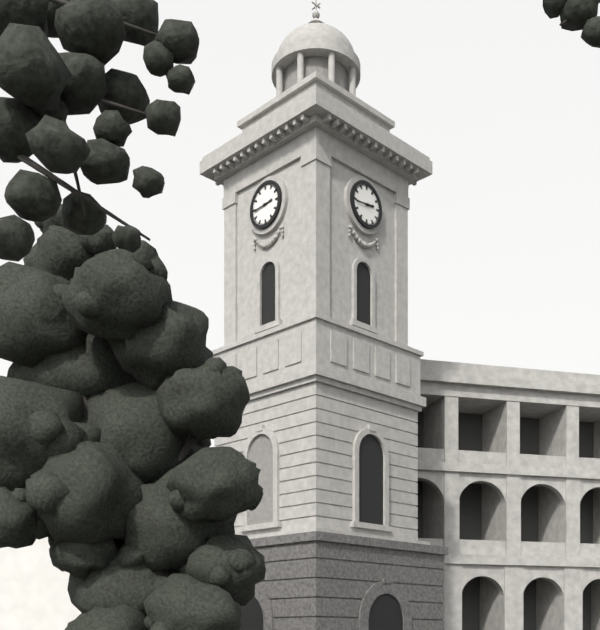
2:44
